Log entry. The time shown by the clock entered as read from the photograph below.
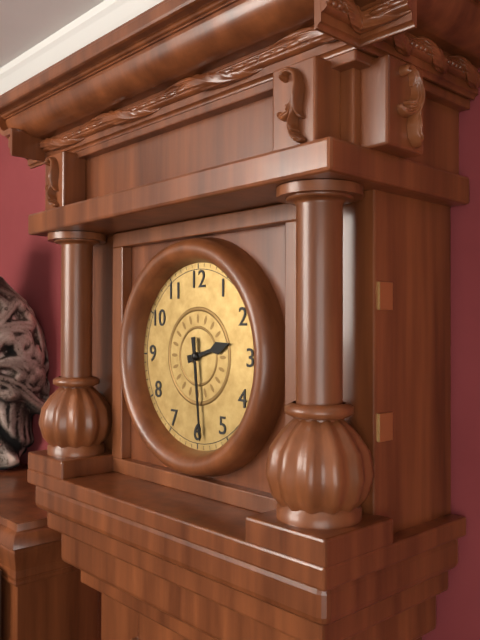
2:29
